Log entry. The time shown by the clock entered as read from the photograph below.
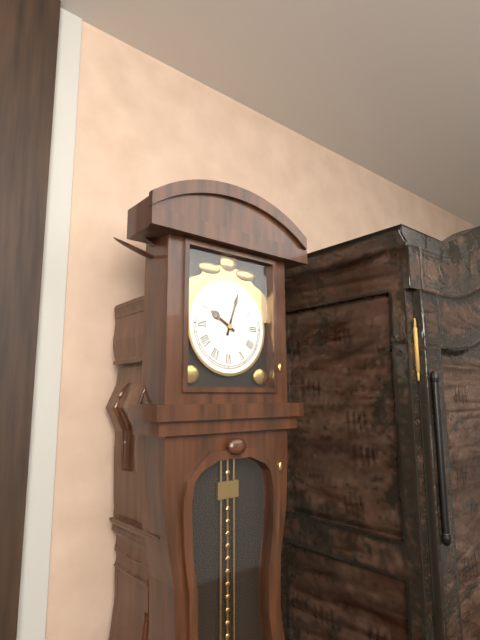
10:03
